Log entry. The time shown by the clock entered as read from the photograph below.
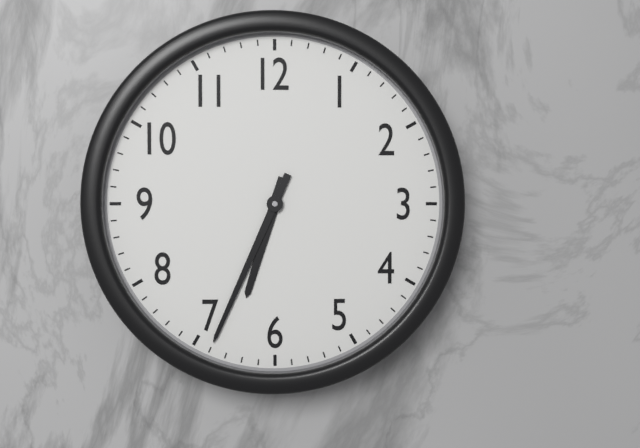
6:34
